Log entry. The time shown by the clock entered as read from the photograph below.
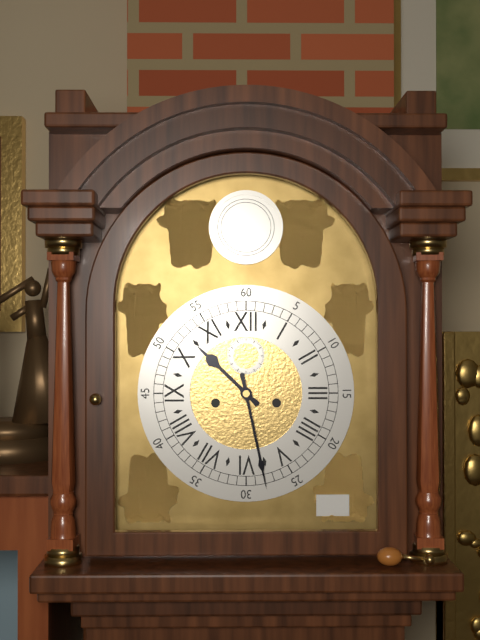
10:28
